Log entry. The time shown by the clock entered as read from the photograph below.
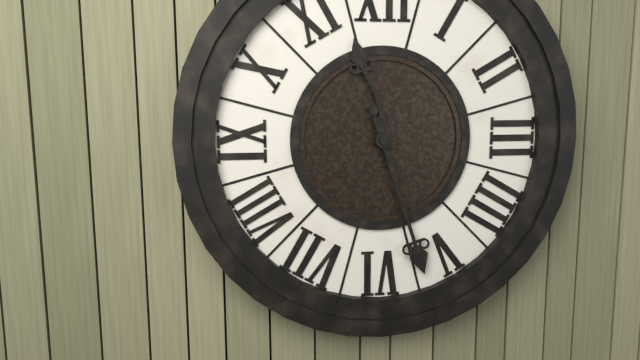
11:27
